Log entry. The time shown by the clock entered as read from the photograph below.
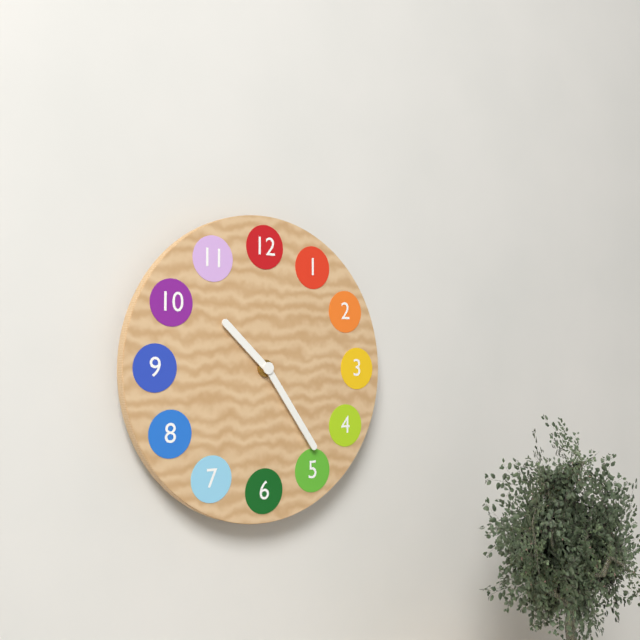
10:24
